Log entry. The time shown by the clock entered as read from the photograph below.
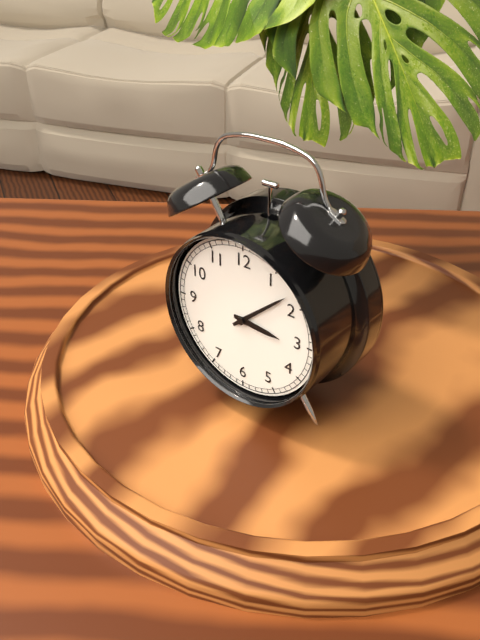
3:08
